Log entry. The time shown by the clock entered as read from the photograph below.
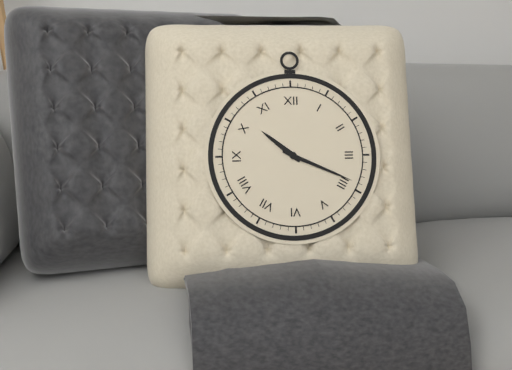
10:19
